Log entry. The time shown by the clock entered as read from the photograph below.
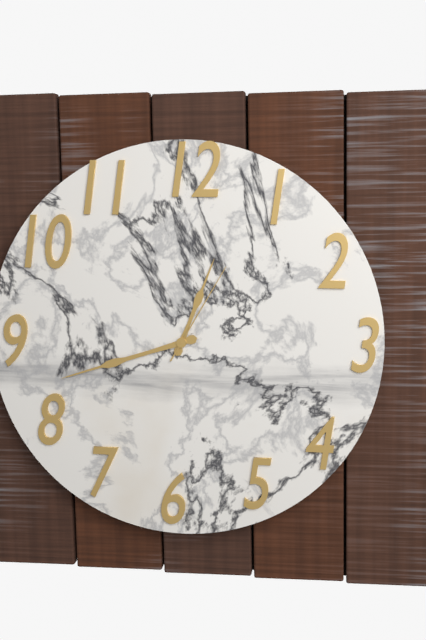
12:42:05
